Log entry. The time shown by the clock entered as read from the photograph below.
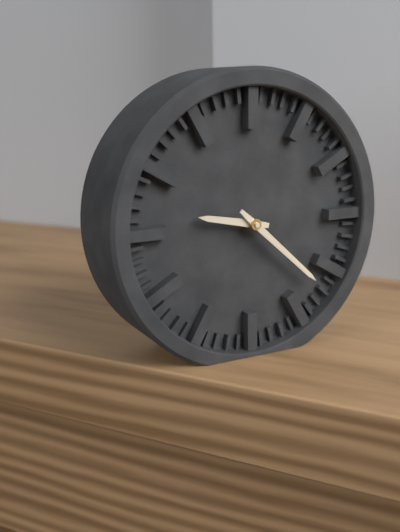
9:22
